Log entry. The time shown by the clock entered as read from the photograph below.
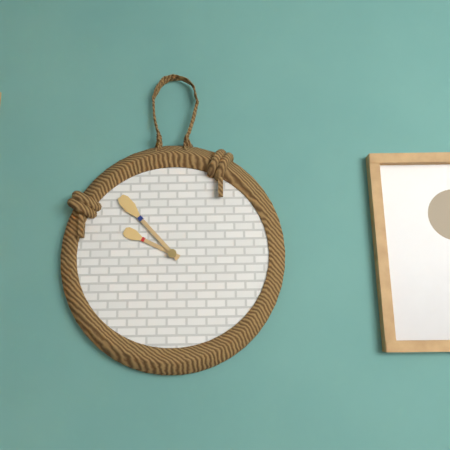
9:53
